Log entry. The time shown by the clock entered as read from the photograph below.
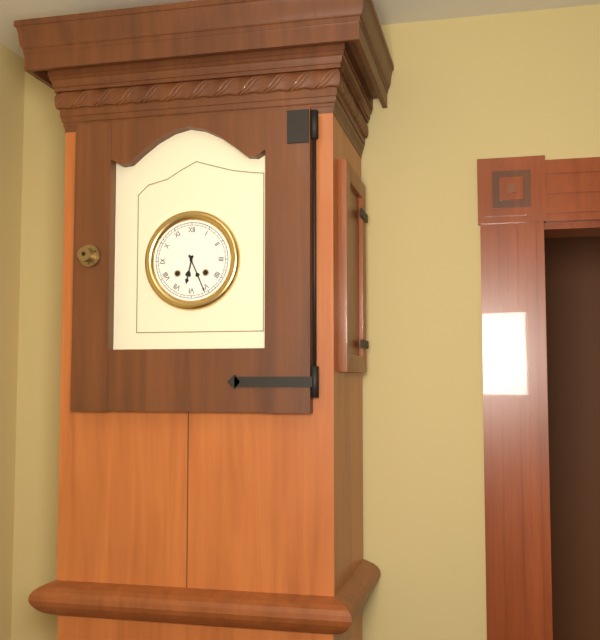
6:26
